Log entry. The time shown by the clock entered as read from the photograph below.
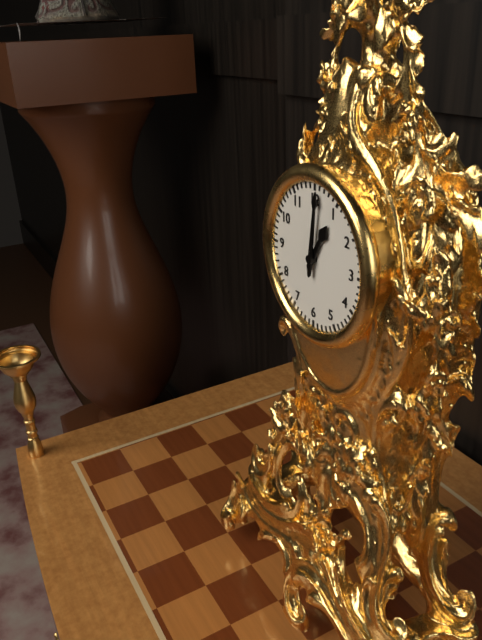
1:01
